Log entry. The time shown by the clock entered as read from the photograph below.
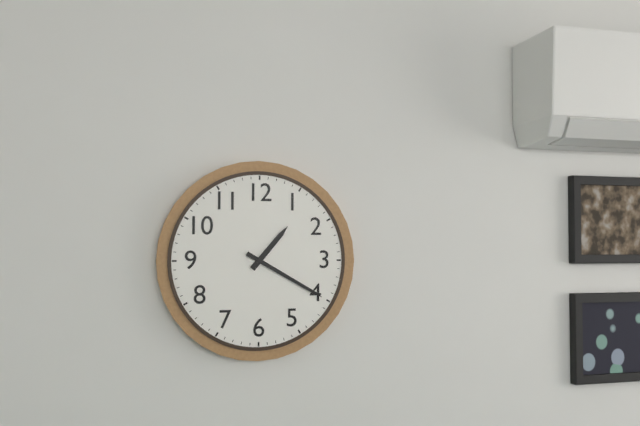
1:20
